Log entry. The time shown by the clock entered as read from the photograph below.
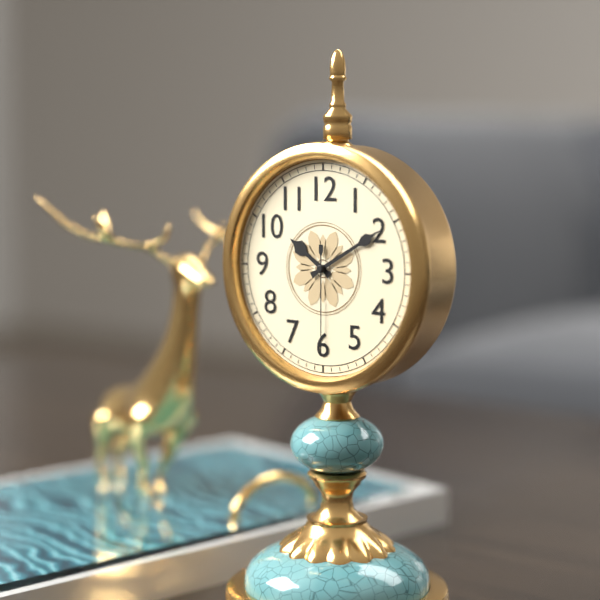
10:10:30
